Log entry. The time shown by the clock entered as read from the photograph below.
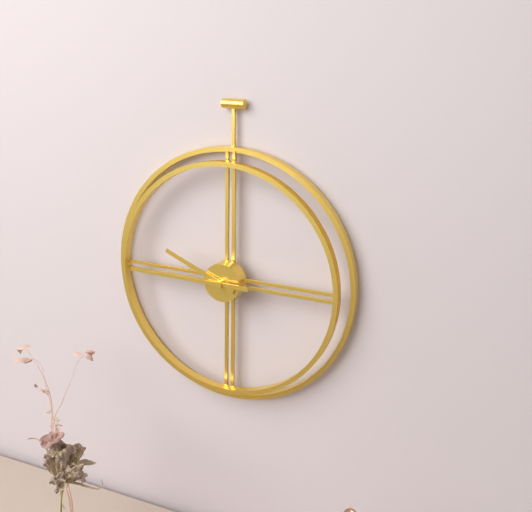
9:45
